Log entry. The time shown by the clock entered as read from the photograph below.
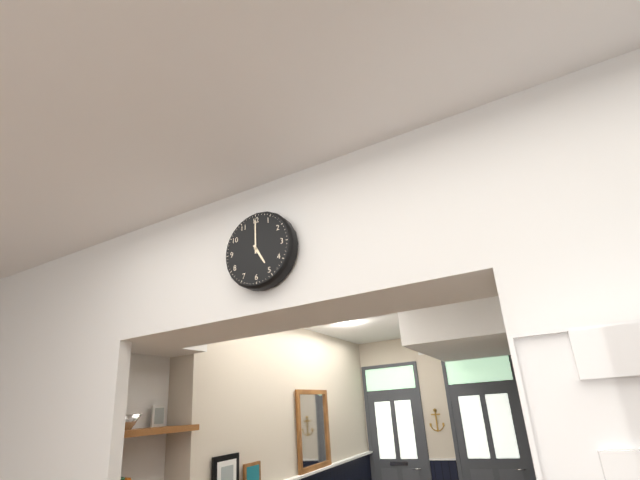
5:00
